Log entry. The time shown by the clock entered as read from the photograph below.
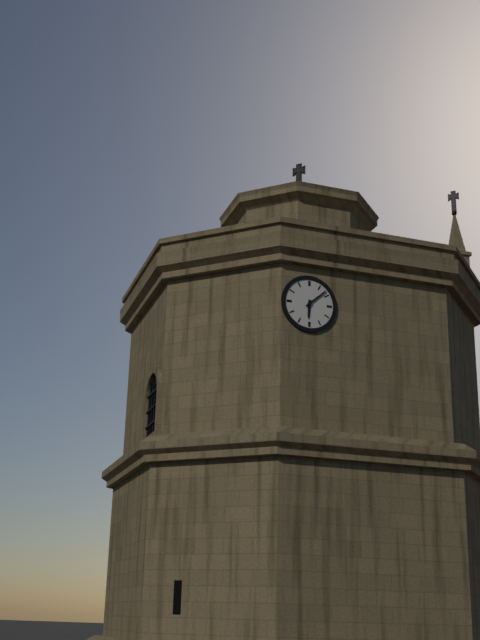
6:08
